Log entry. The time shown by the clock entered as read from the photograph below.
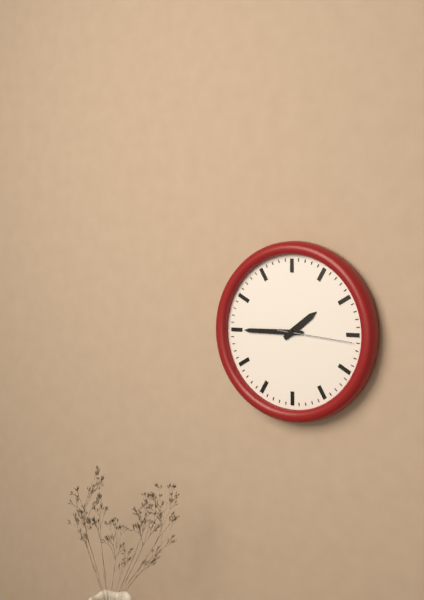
1:45:16
